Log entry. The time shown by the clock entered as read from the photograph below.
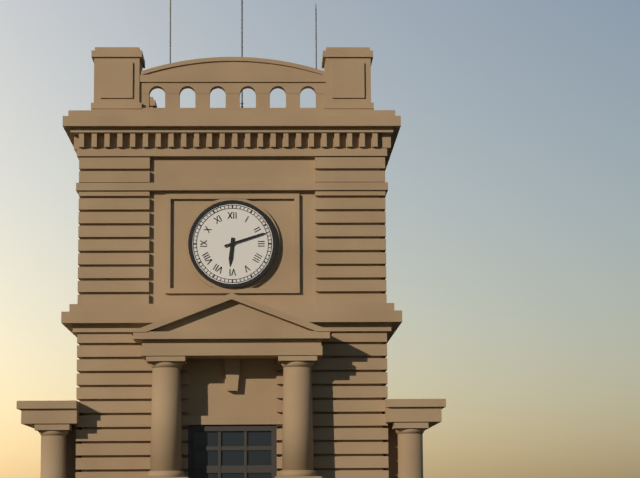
6:12
